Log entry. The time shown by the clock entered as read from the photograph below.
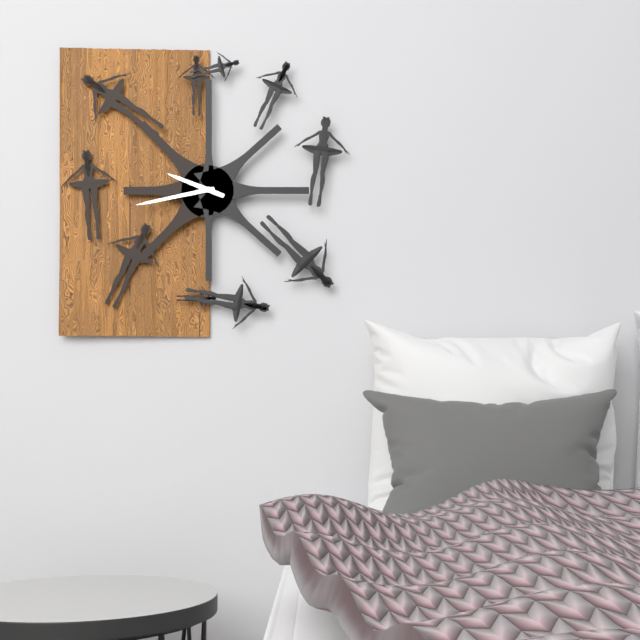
9:43
